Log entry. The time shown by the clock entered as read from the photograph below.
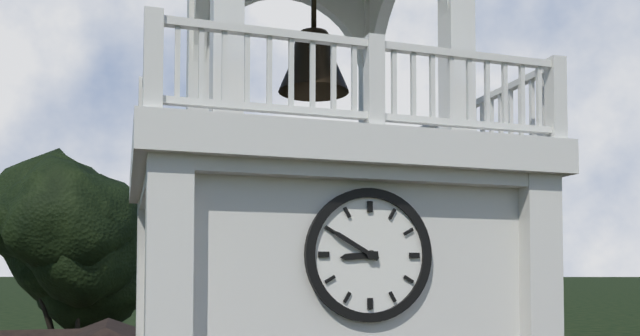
8:50
